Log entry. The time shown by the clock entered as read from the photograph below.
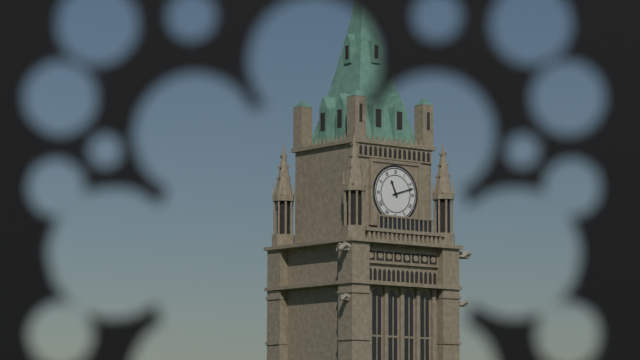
11:12
